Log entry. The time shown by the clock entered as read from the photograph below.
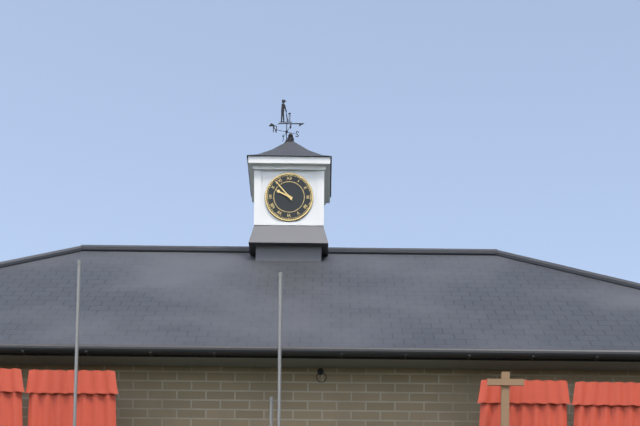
9:53
